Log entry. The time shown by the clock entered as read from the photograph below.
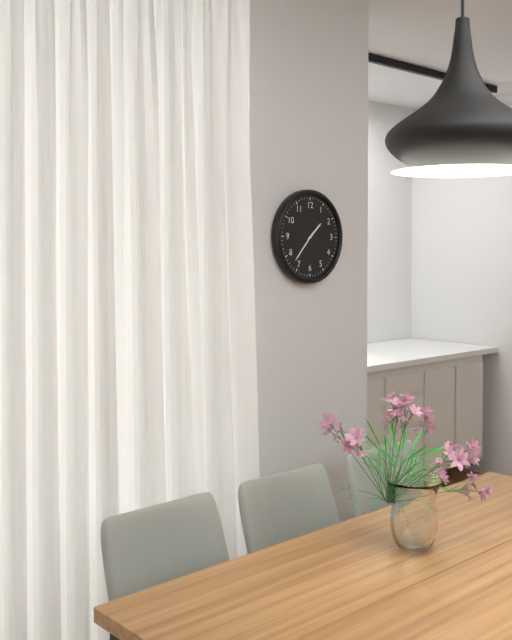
1:37
